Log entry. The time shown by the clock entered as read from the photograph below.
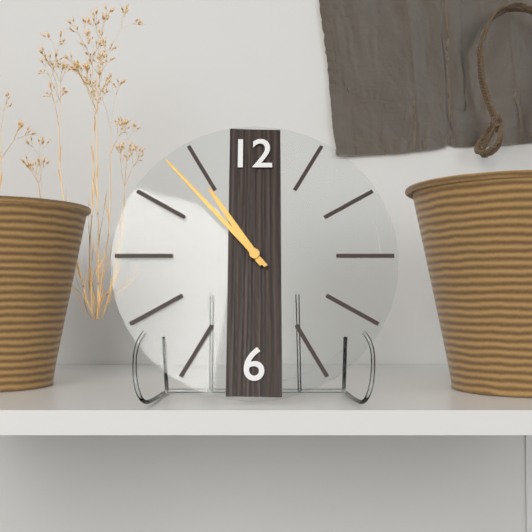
10:53
